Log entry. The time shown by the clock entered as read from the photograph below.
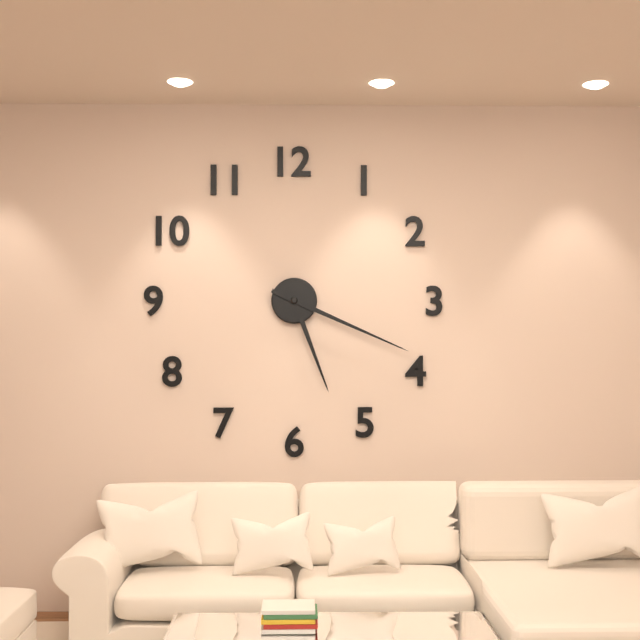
5:19
